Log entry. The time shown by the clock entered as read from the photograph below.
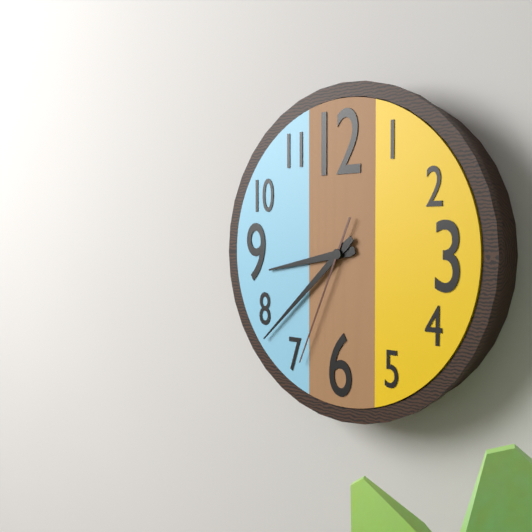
8:38:34
